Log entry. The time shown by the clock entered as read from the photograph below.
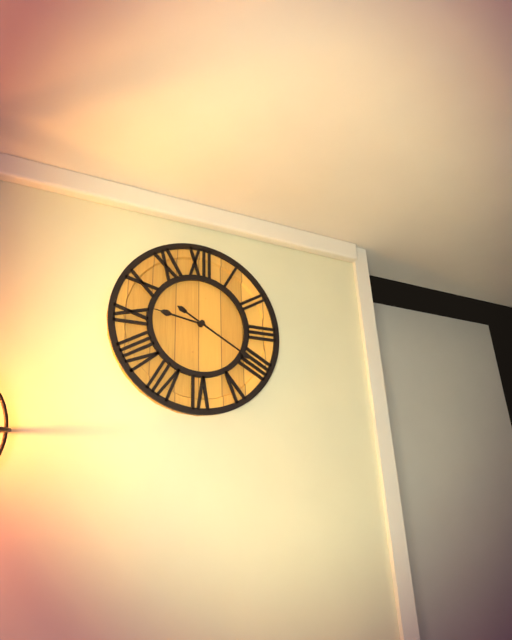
9:20
